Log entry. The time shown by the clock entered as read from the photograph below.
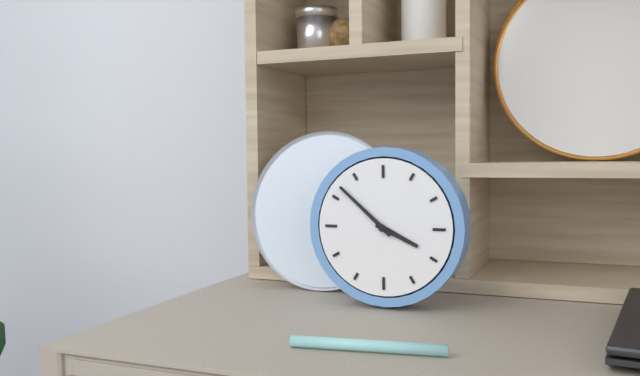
3:52
